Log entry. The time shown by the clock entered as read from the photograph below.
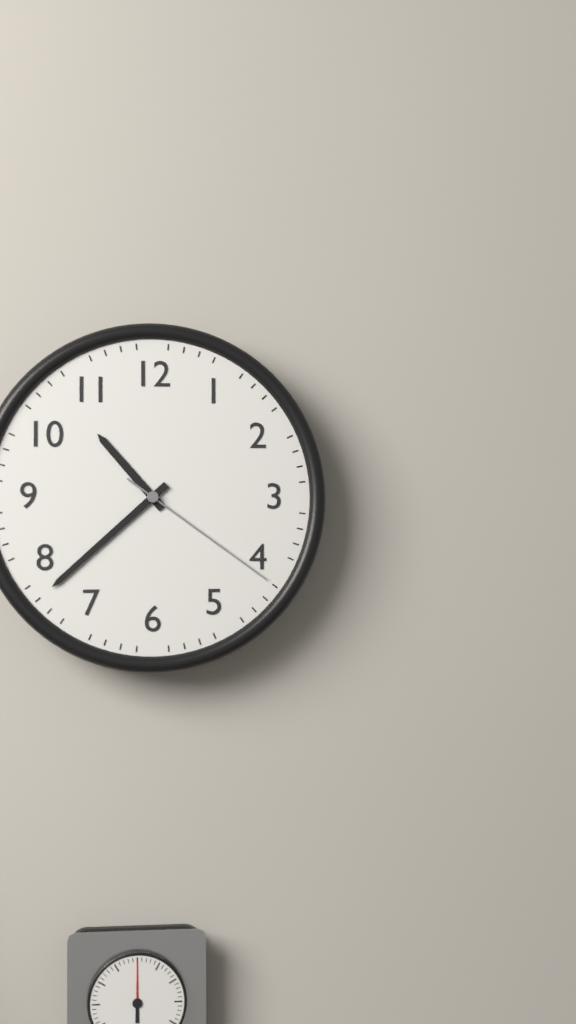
10:38:21
